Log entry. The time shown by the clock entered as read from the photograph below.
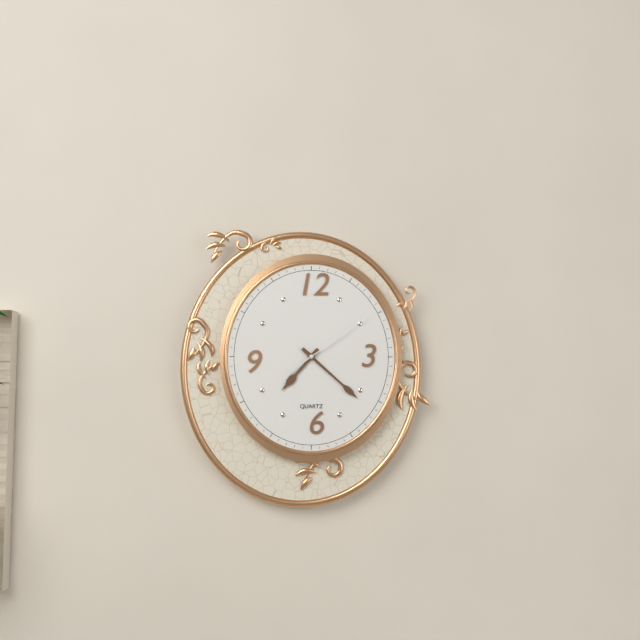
7:22:09
